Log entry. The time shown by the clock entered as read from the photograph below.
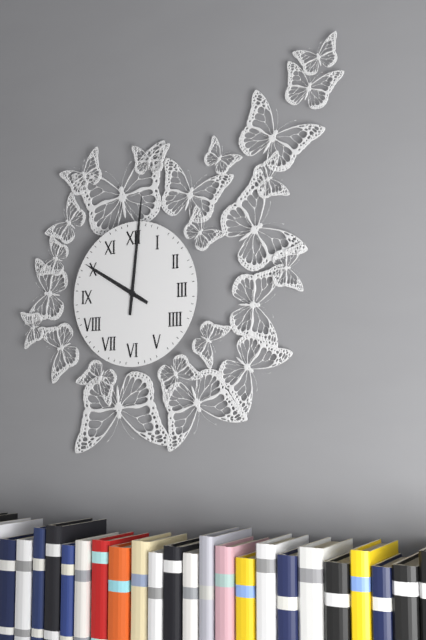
10:01
